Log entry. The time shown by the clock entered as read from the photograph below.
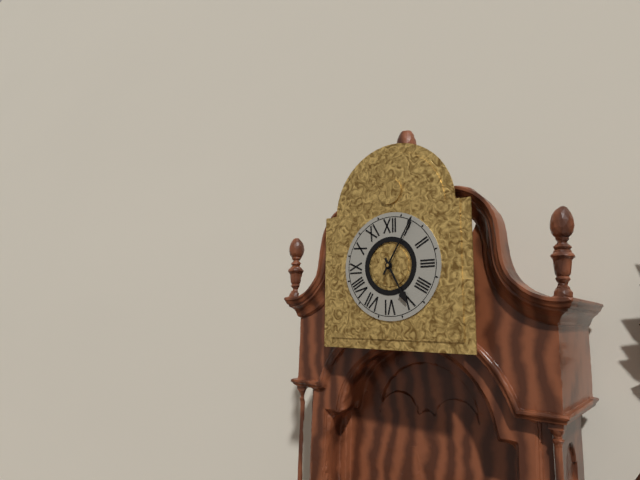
5:05
